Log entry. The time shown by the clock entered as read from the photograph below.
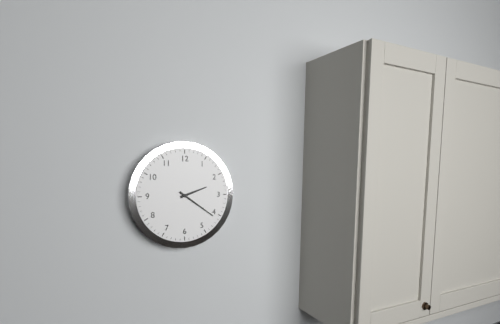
2:21
